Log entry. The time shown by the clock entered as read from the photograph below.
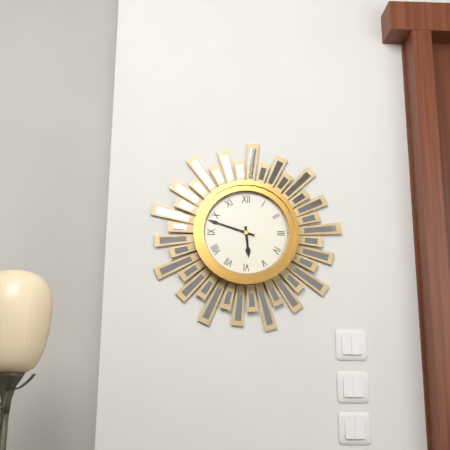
5:48
